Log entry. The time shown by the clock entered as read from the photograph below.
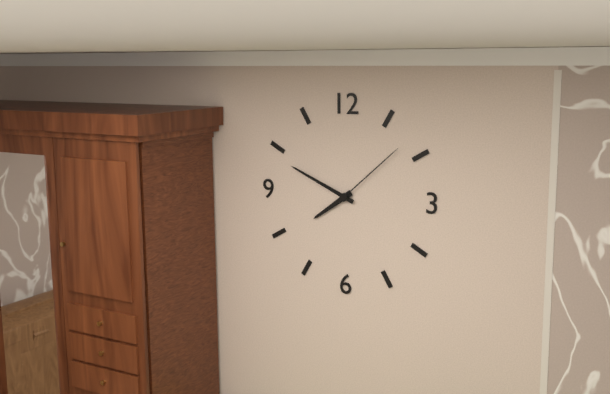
7:49:08
